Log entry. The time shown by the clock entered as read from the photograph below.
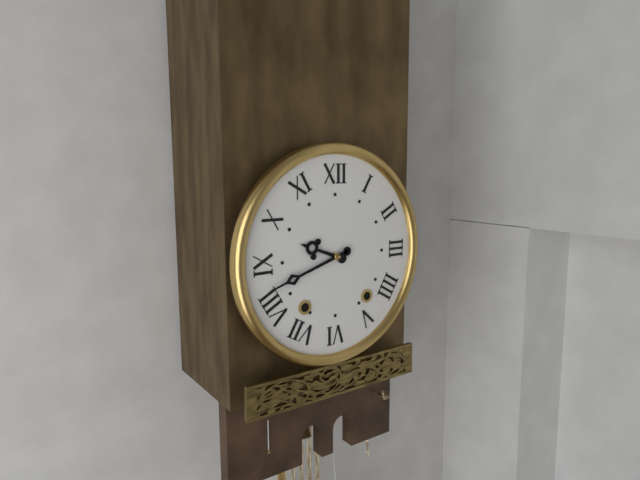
9:42
